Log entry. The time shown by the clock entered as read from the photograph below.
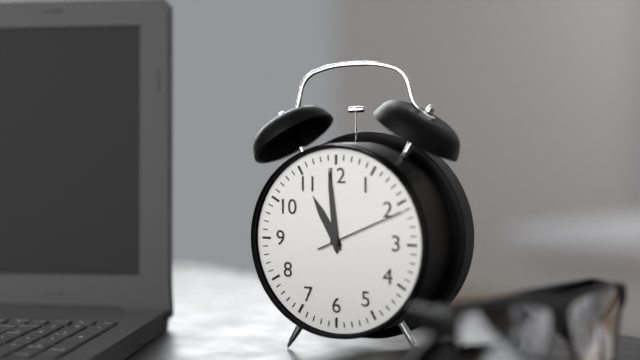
10:59:11
